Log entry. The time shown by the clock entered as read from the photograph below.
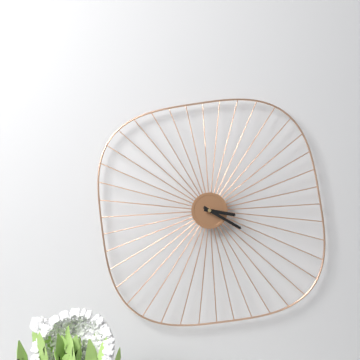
3:20
